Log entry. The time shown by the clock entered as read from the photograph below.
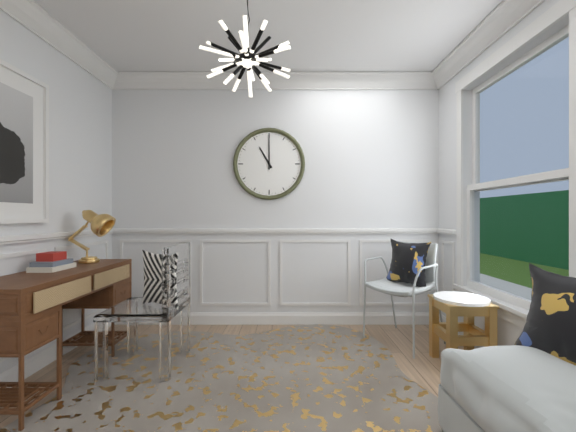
11:00
